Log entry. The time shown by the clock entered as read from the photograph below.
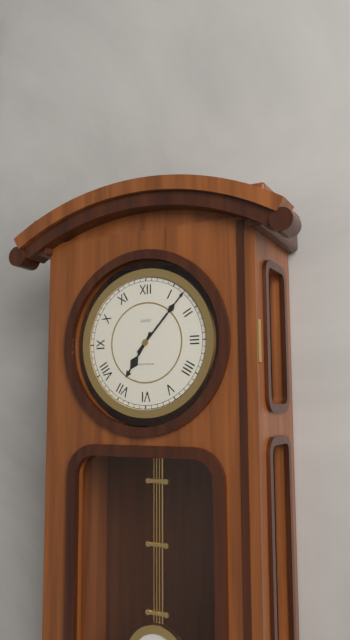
7:07
